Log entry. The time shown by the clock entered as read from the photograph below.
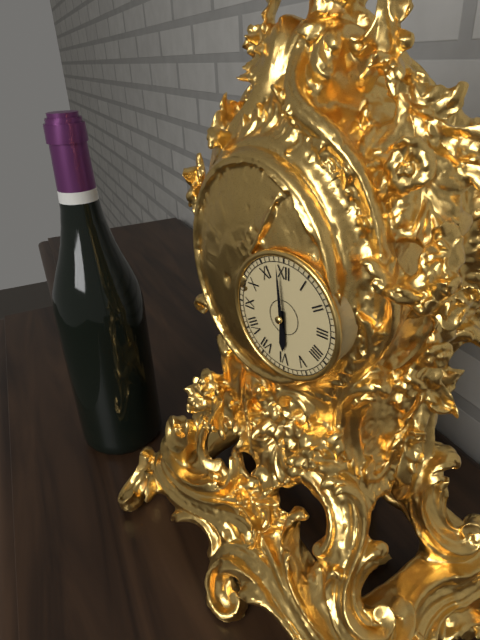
5:59
